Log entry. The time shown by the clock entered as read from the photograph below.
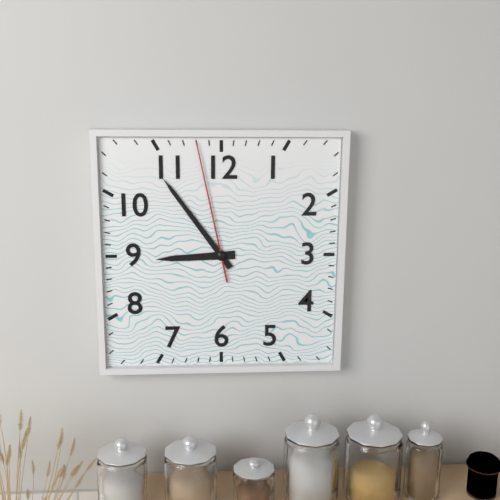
8:54:58
